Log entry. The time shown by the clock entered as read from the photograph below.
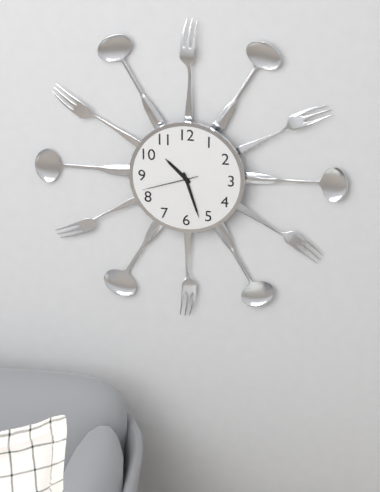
10:27:42
